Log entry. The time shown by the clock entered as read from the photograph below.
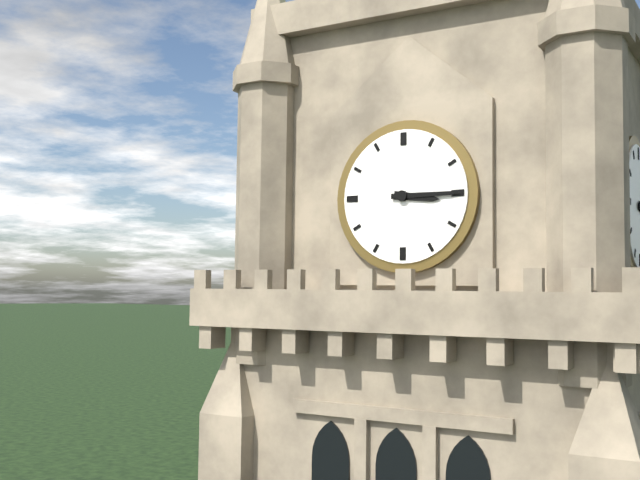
3:15
